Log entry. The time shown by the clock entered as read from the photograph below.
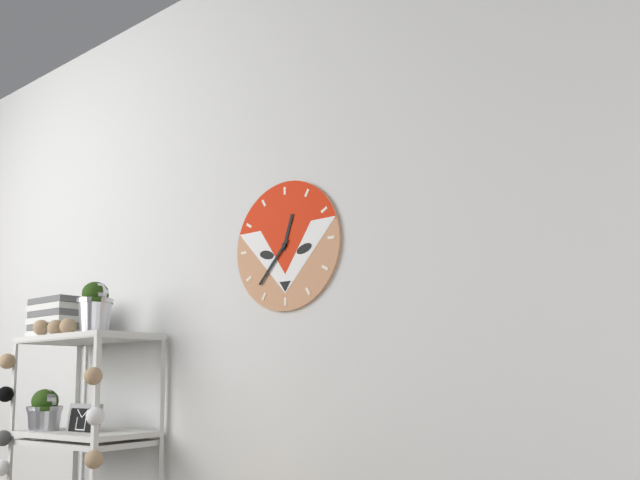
12:37
